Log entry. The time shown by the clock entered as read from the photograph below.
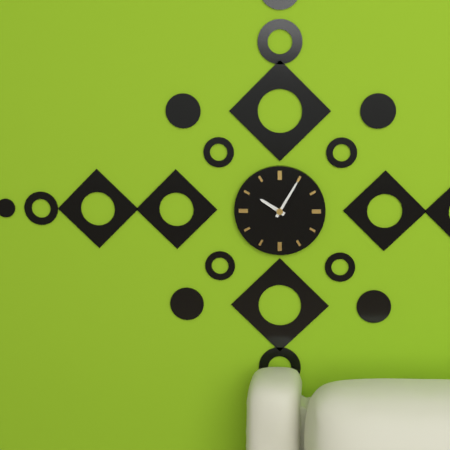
10:05
